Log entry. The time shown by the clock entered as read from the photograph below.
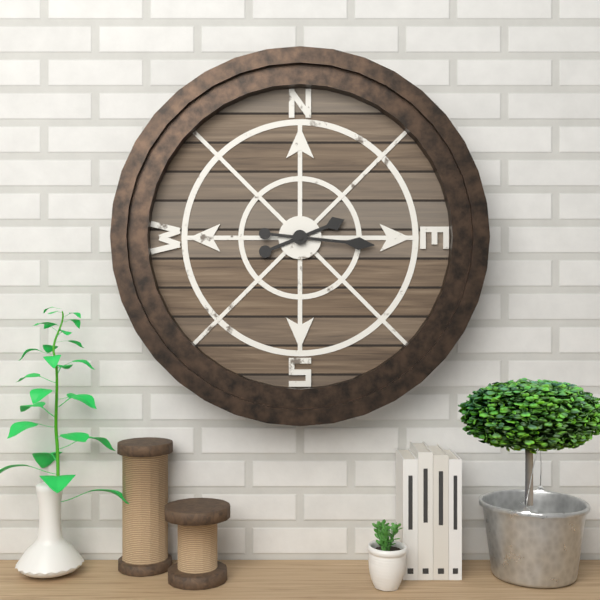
2:16
